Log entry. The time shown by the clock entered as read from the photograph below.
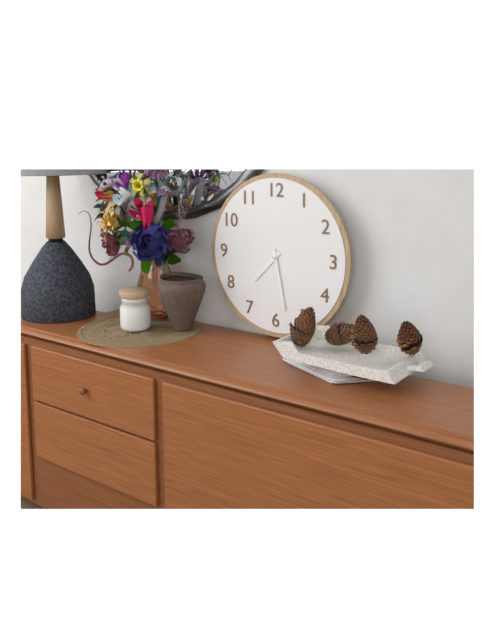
7:28
